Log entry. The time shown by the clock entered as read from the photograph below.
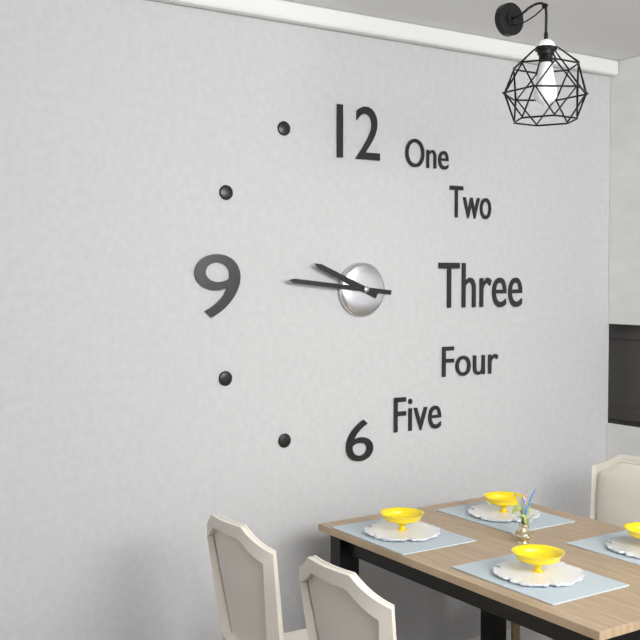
9:46
